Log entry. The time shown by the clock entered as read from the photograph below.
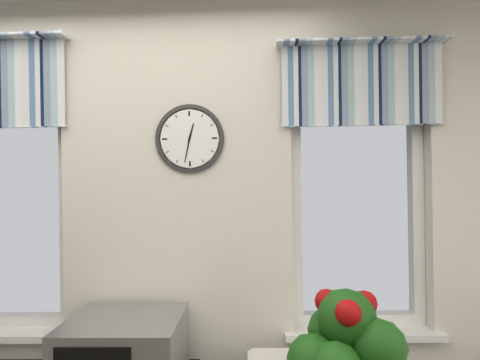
12:32
